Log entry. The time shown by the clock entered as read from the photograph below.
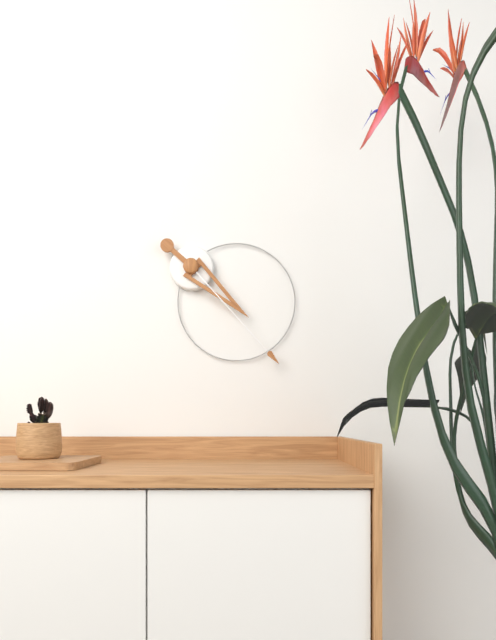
4:23
